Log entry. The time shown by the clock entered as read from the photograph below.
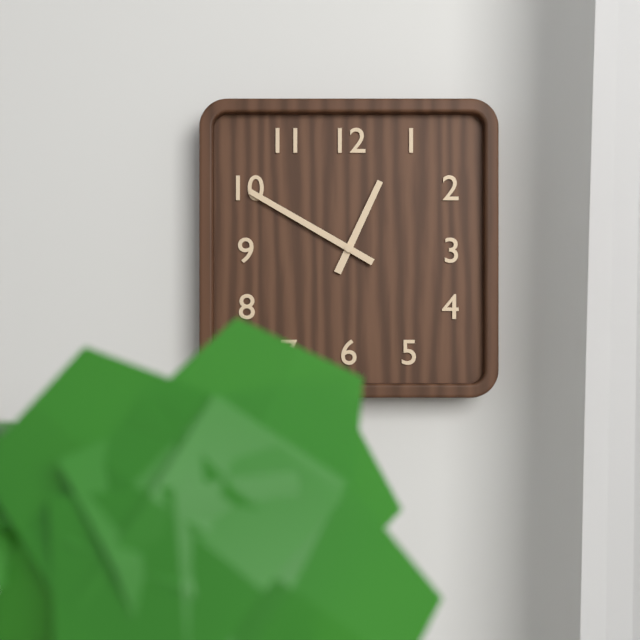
12:50
